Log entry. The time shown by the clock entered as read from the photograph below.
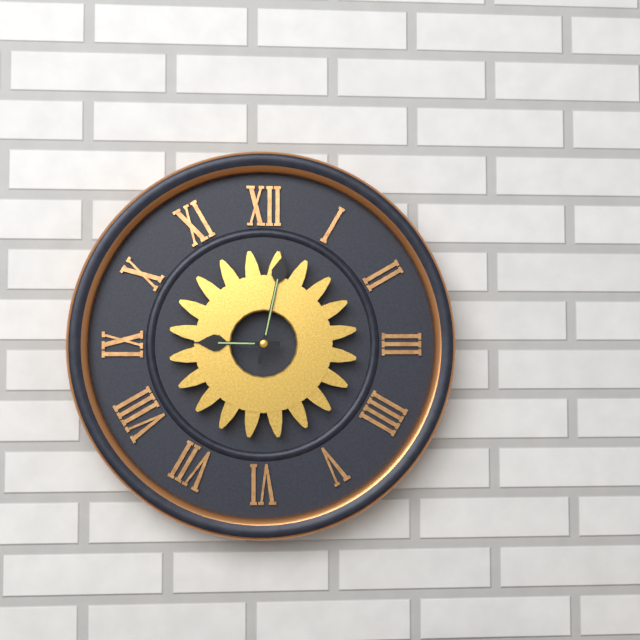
9:02
